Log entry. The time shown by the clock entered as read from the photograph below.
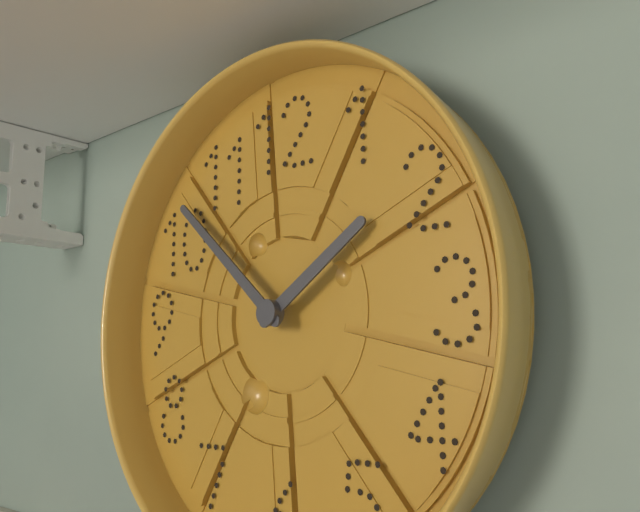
1:52
